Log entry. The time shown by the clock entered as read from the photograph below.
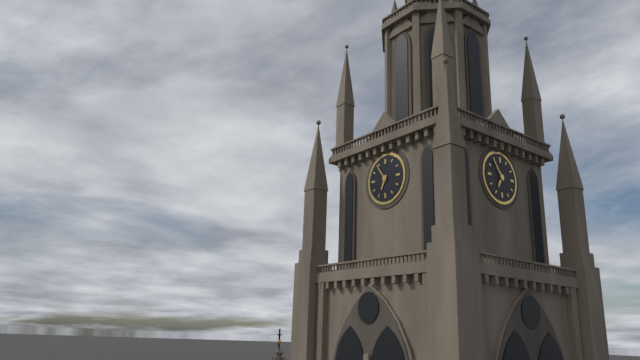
6:54
